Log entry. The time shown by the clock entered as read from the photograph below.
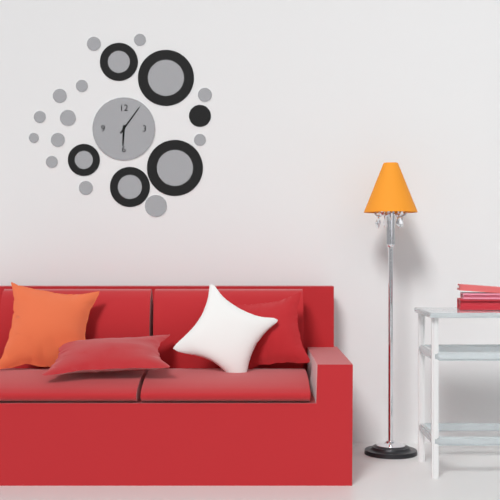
6:06
